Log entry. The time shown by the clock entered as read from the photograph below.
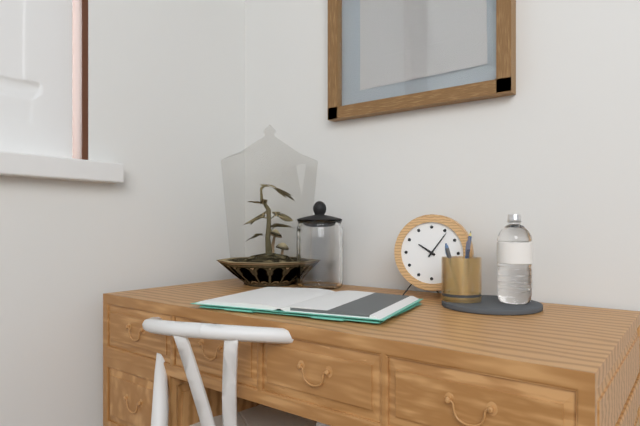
10:06
